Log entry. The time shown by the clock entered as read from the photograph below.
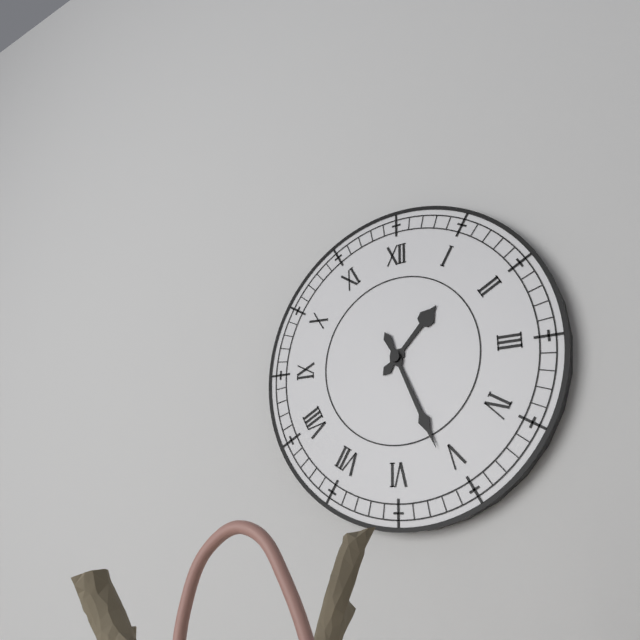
1:26
